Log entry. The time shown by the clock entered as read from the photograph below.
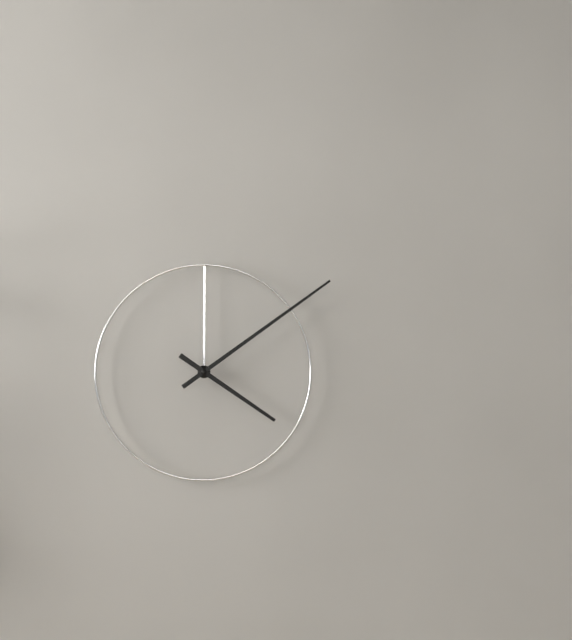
4:09
